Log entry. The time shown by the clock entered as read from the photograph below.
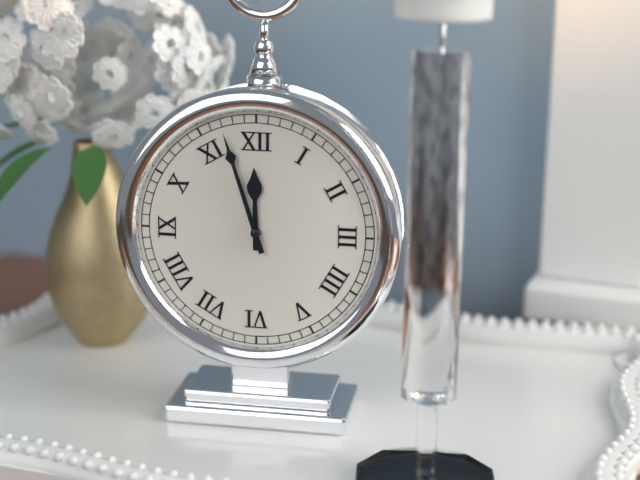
11:57
